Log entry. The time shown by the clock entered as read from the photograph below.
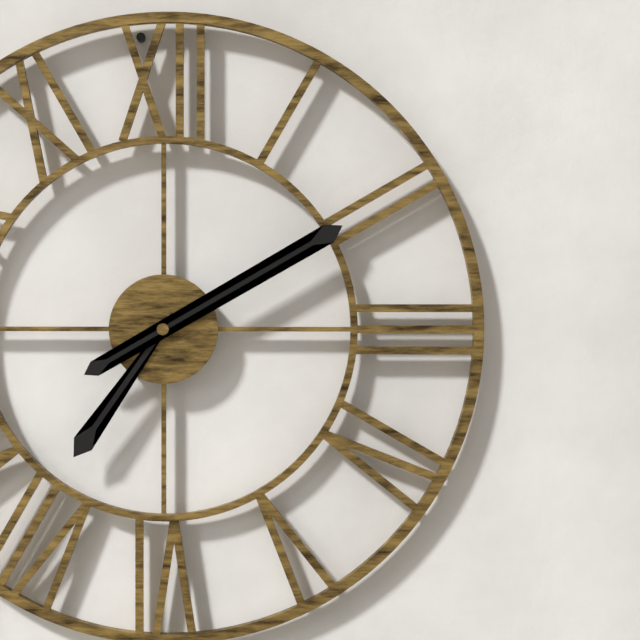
7:10
